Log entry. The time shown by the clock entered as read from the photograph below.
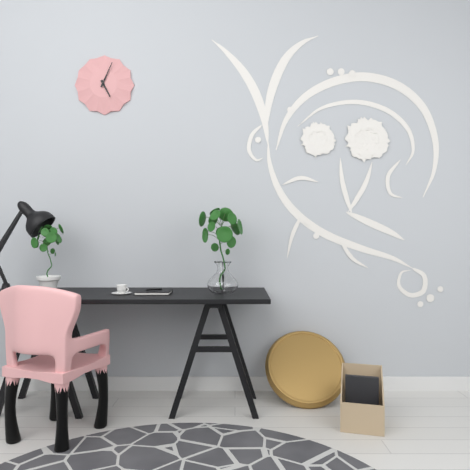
5:04
